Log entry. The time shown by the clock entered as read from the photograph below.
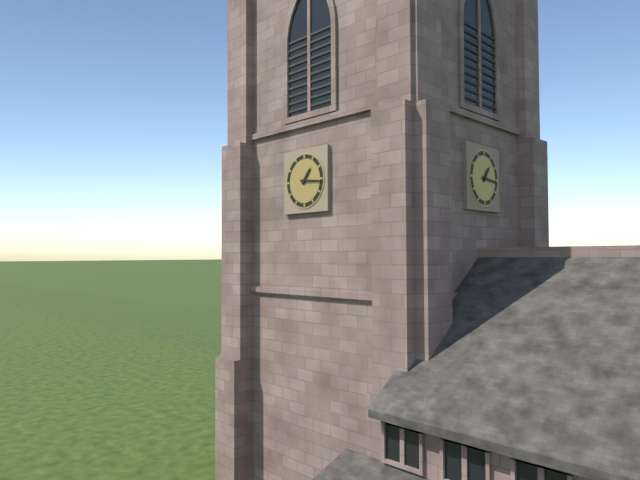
1:16
